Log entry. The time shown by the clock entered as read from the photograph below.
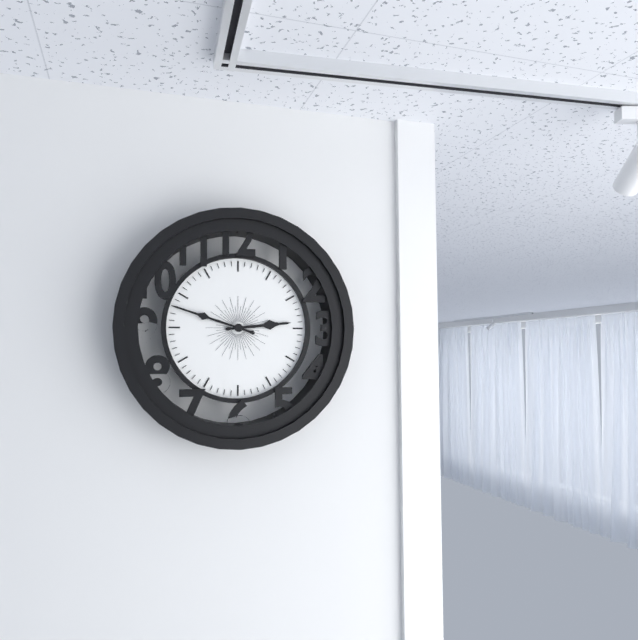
2:48
